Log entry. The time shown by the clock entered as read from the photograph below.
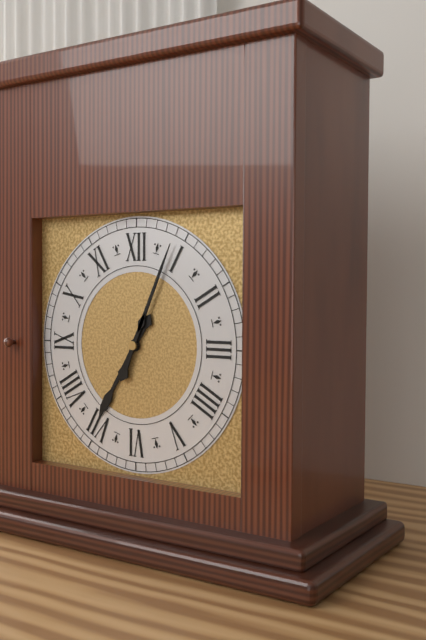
7:04
